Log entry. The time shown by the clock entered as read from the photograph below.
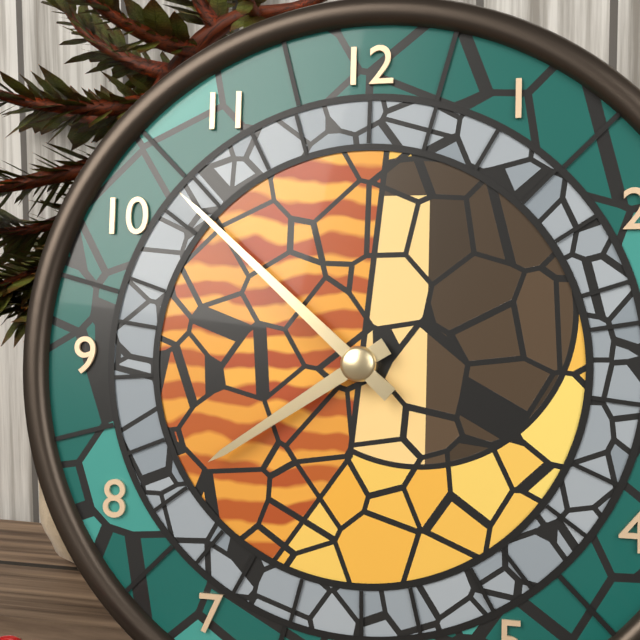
7:52
